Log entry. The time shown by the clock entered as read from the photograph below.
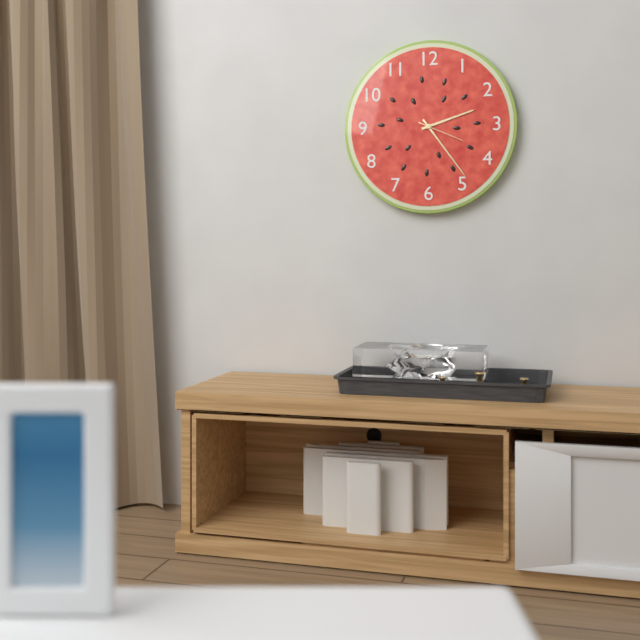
2:24
